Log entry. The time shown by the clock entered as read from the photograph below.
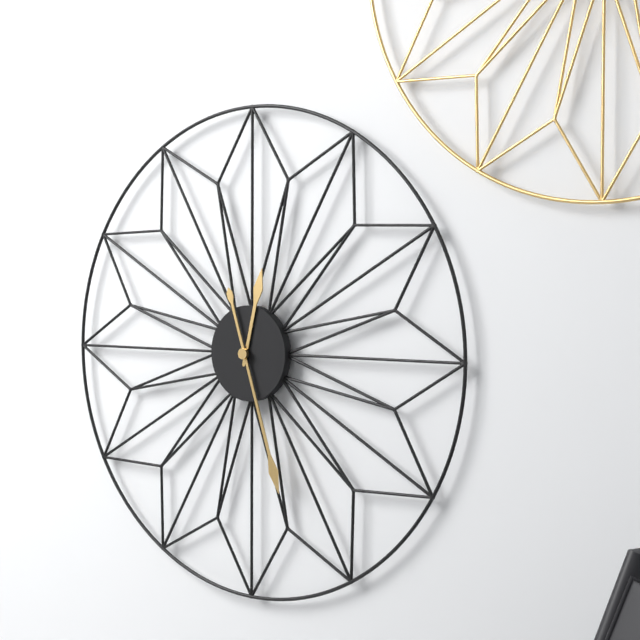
12:27
